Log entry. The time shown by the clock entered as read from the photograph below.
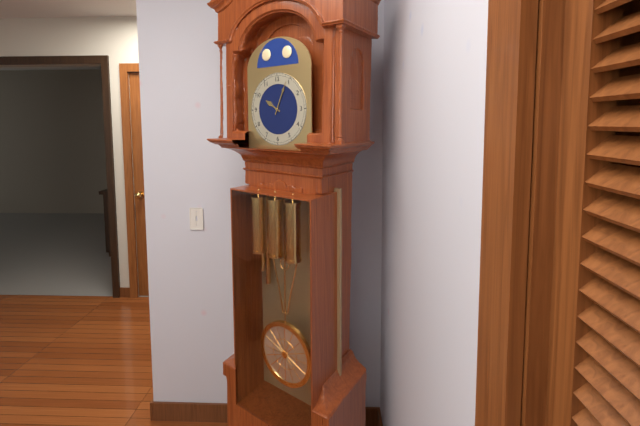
10:04
